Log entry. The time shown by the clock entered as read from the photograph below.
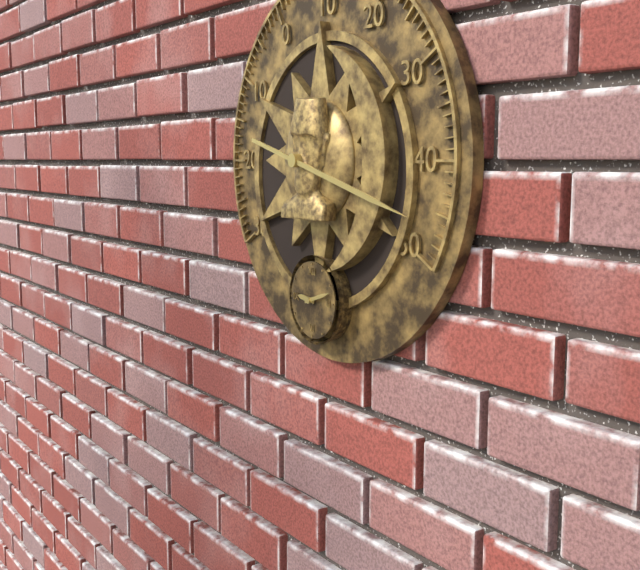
9:12
